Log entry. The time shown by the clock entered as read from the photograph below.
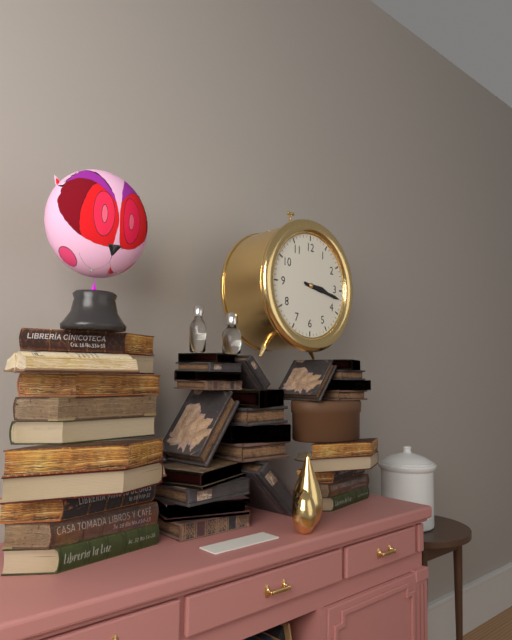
3:17
